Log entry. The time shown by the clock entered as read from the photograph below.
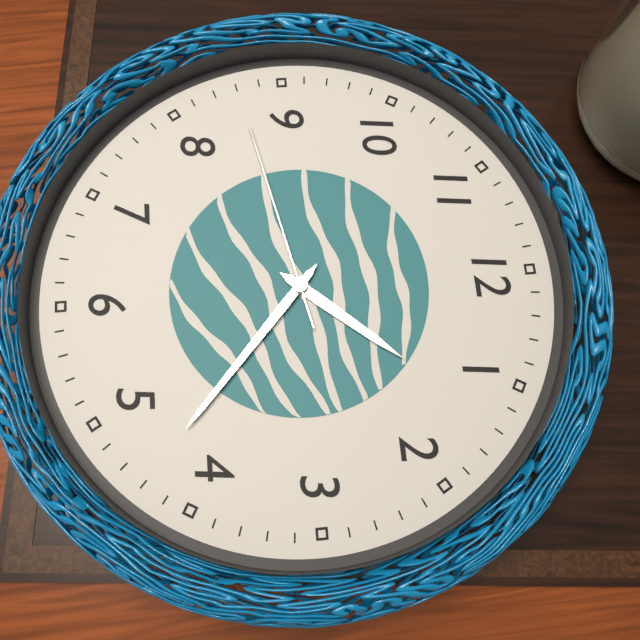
1:22:43
